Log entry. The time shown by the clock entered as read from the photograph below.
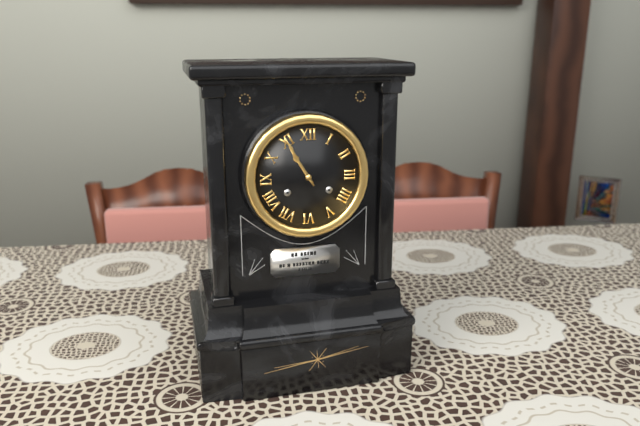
10:55
